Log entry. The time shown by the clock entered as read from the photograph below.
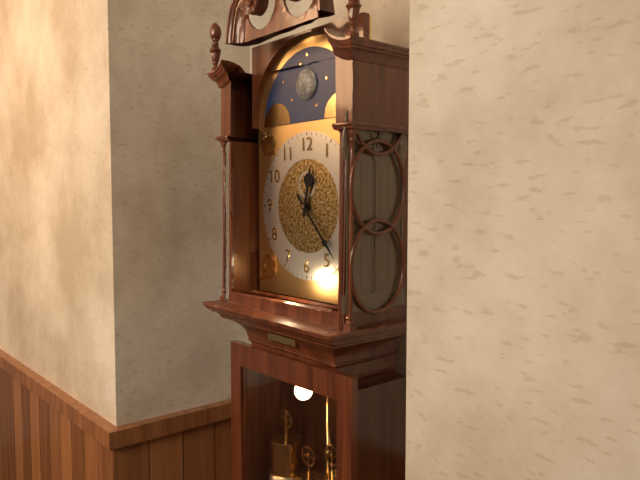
12:23
